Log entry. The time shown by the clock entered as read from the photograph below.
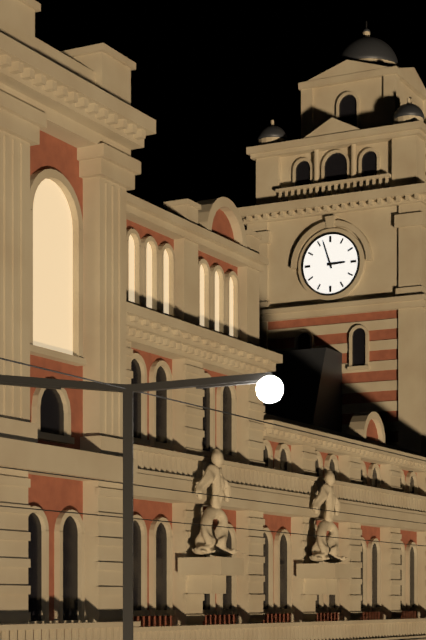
2:57
